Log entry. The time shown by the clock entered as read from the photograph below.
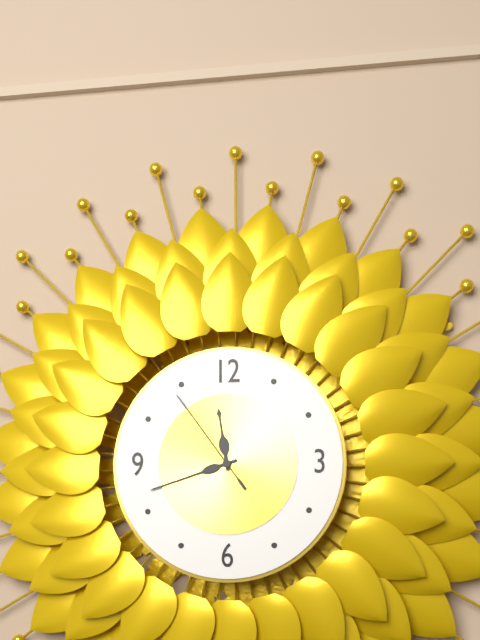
11:42:54
